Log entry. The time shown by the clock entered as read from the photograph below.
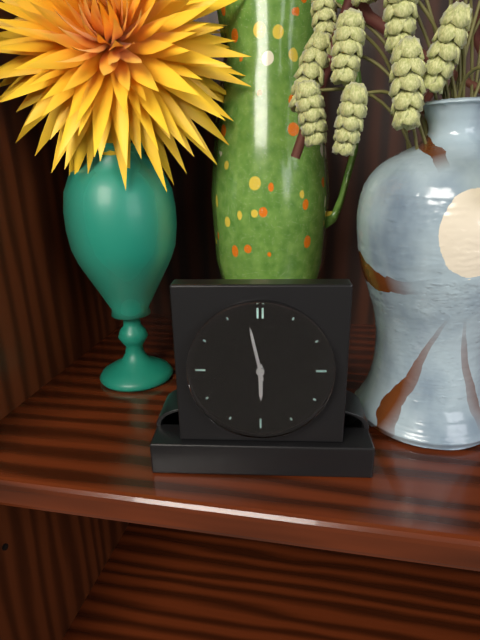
5:58
